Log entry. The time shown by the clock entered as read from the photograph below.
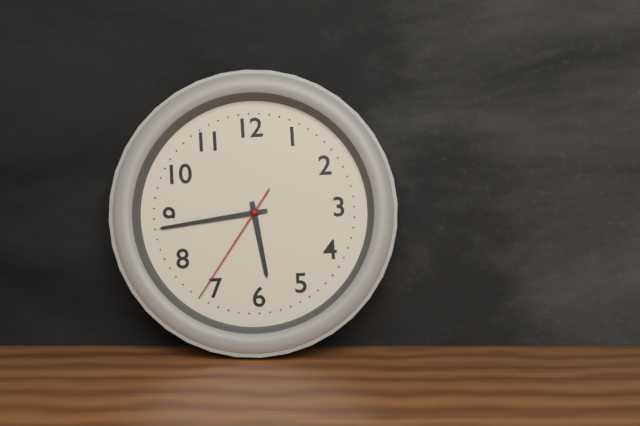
5:44:36
